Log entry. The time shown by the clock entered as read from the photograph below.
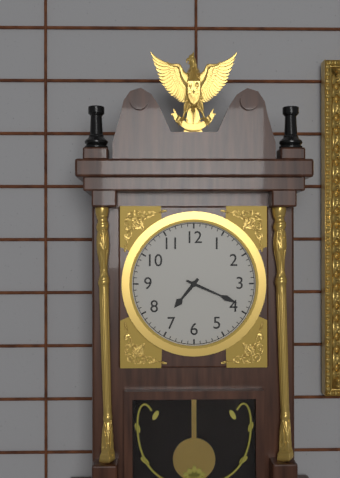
7:19
